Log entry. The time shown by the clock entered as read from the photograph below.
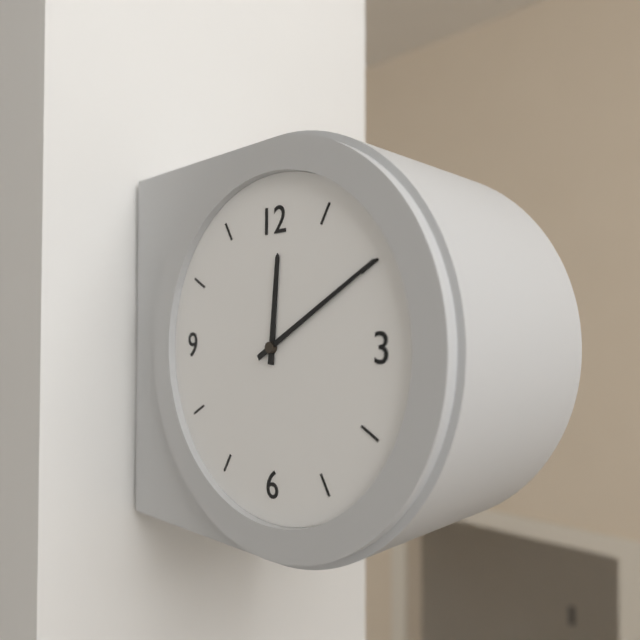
12:10
